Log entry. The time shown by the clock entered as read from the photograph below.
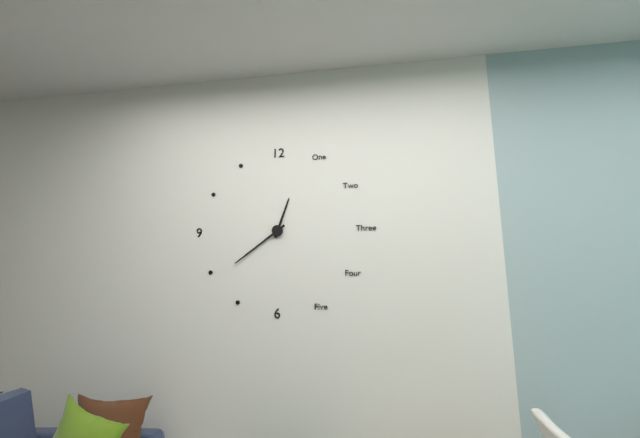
12:39
